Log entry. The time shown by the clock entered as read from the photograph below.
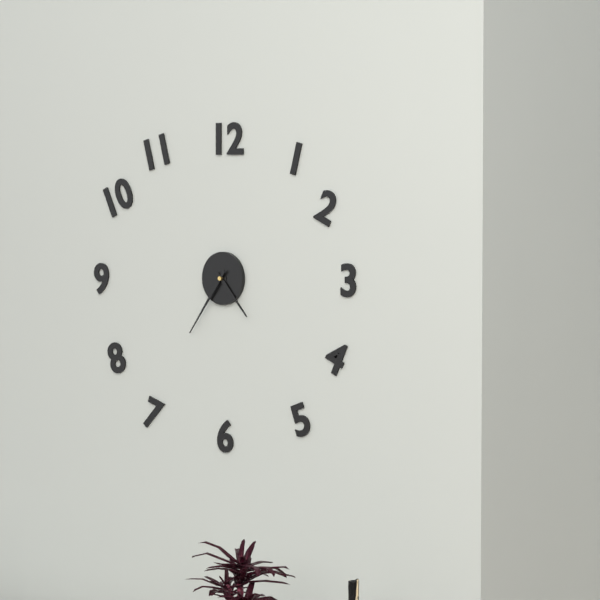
4:36
